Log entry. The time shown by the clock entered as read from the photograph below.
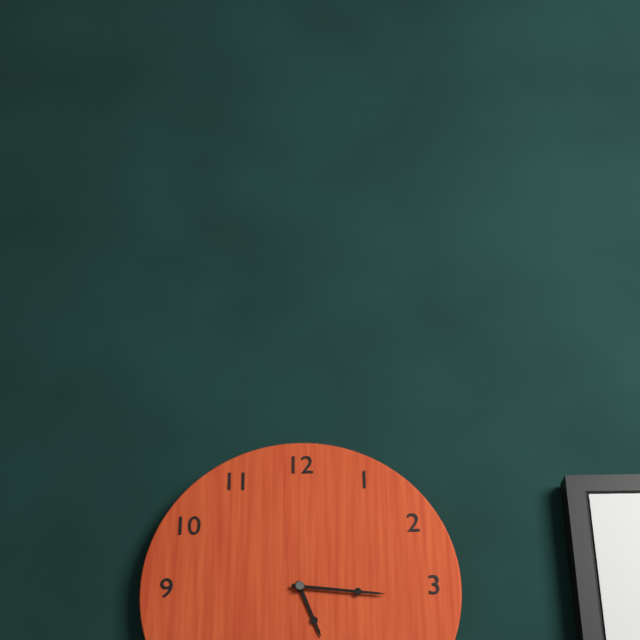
5:16
